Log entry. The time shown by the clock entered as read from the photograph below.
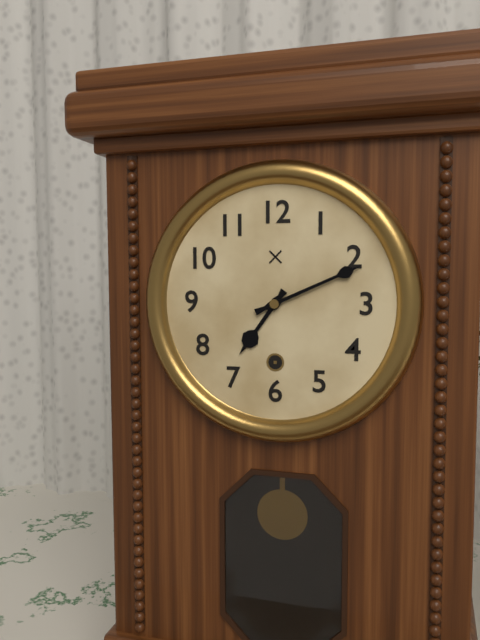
7:11
